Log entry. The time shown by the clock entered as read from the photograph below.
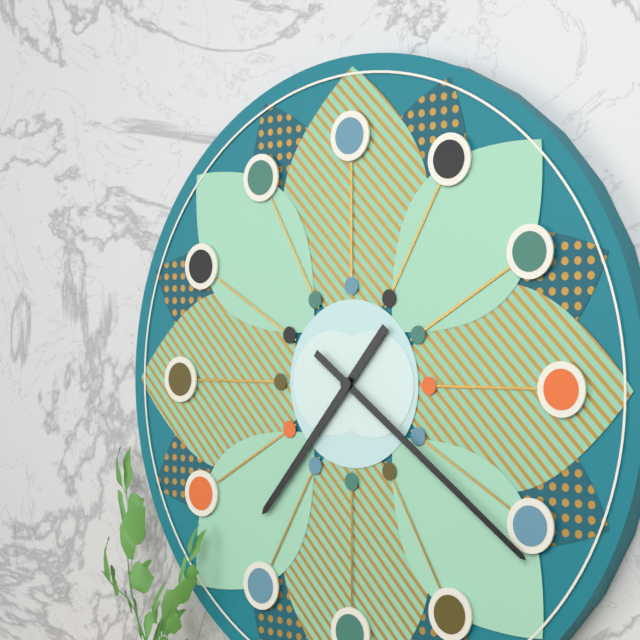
7:21
